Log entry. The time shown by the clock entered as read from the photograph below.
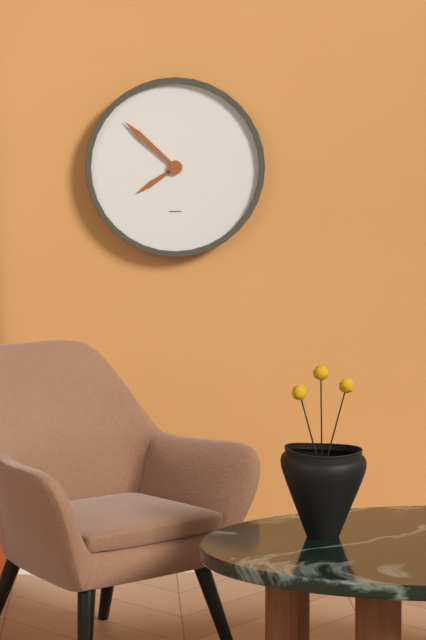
7:52
